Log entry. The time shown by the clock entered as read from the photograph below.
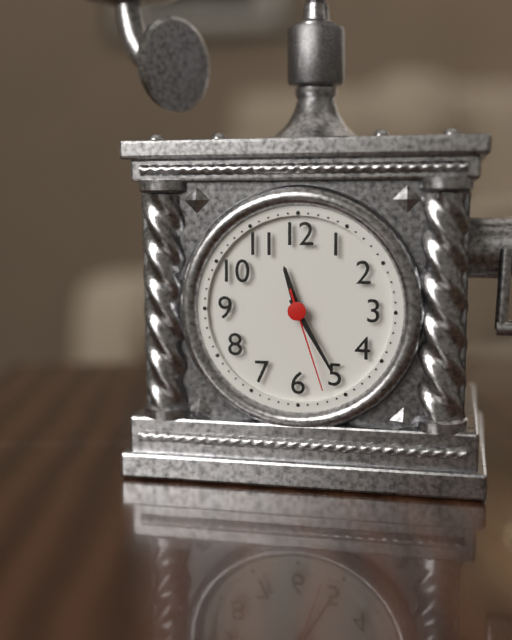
11:25:27
